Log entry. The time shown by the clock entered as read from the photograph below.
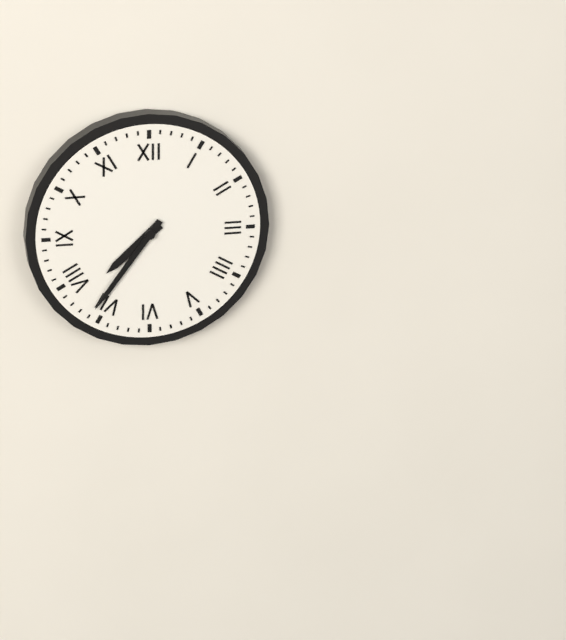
7:36
